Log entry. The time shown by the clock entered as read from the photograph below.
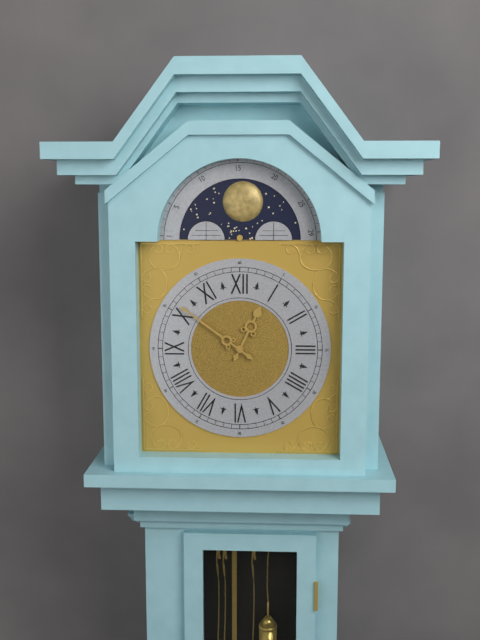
12:51
